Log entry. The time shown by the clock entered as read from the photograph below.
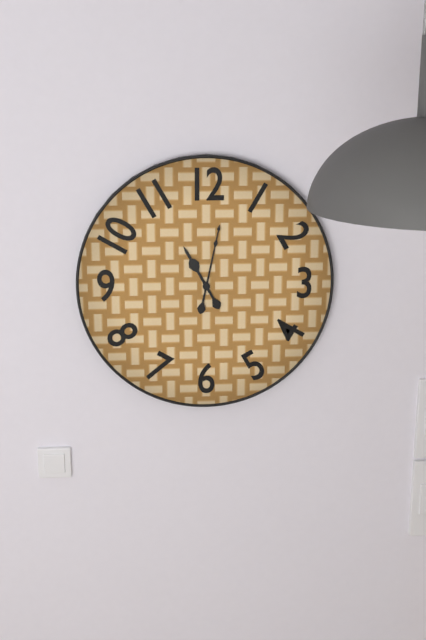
11:02
